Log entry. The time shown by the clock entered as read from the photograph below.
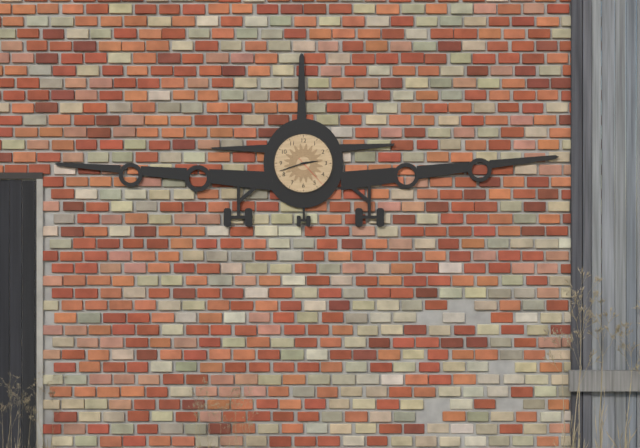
2:42
